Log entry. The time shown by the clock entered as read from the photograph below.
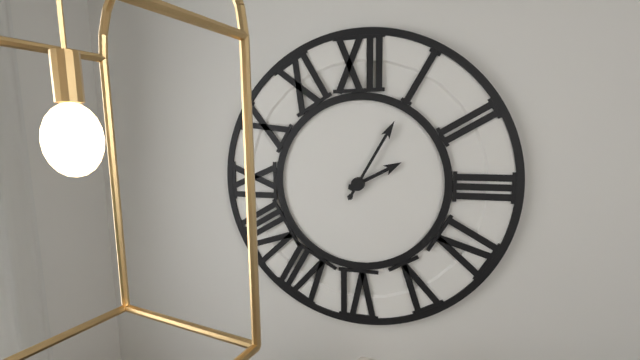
2:05
